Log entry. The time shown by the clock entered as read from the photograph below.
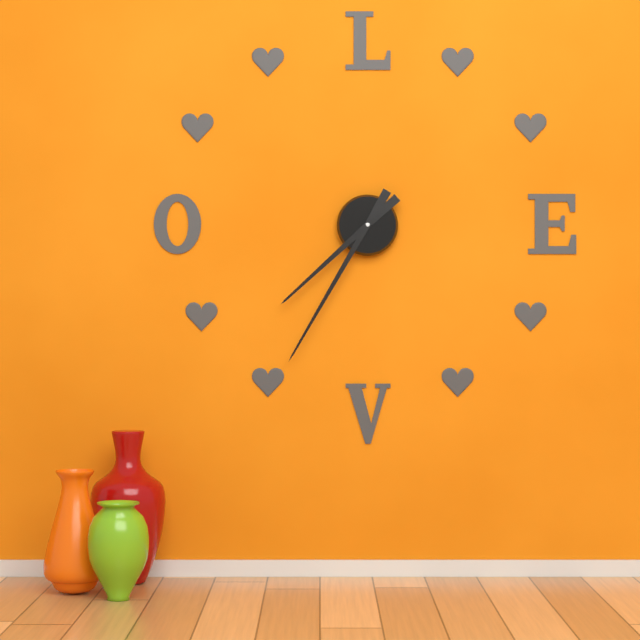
7:35
